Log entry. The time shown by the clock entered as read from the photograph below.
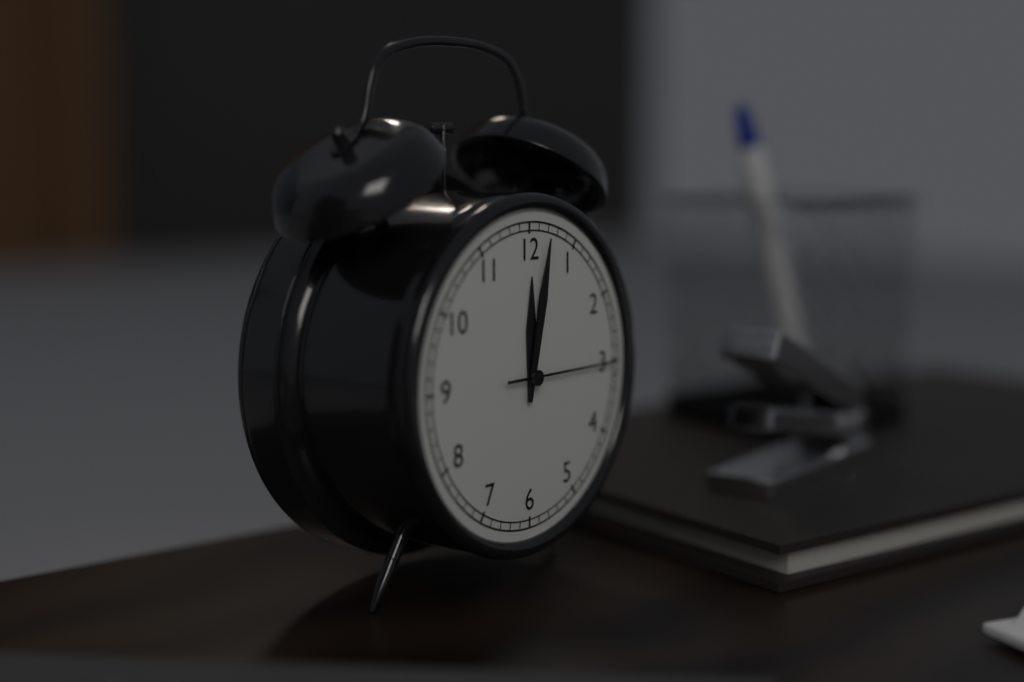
12:02:15
